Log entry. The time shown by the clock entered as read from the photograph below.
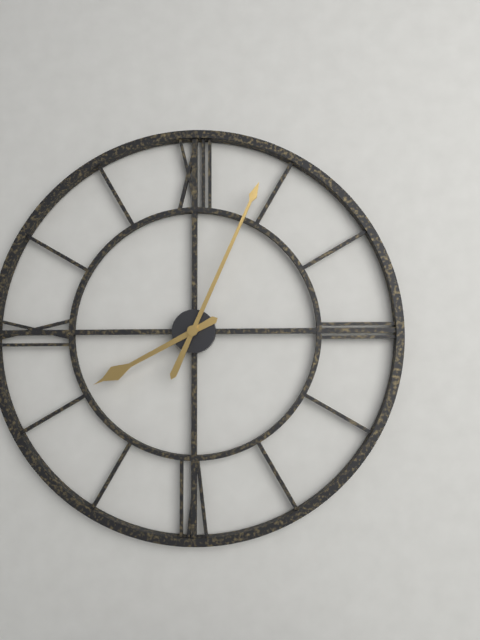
8:04
